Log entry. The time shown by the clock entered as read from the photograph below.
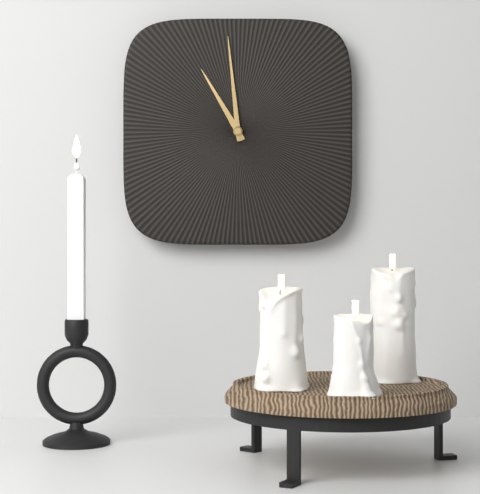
10:59
